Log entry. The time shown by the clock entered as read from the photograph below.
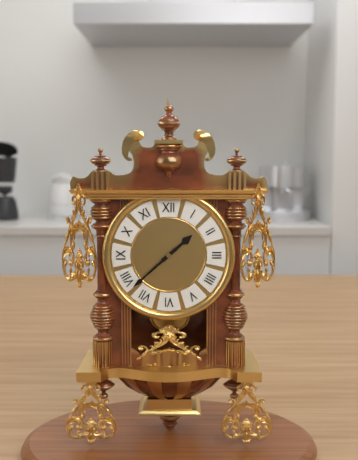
1:38
